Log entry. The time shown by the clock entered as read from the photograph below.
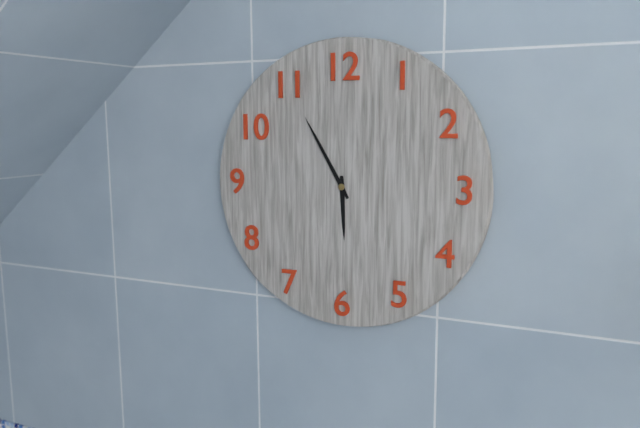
5:55
